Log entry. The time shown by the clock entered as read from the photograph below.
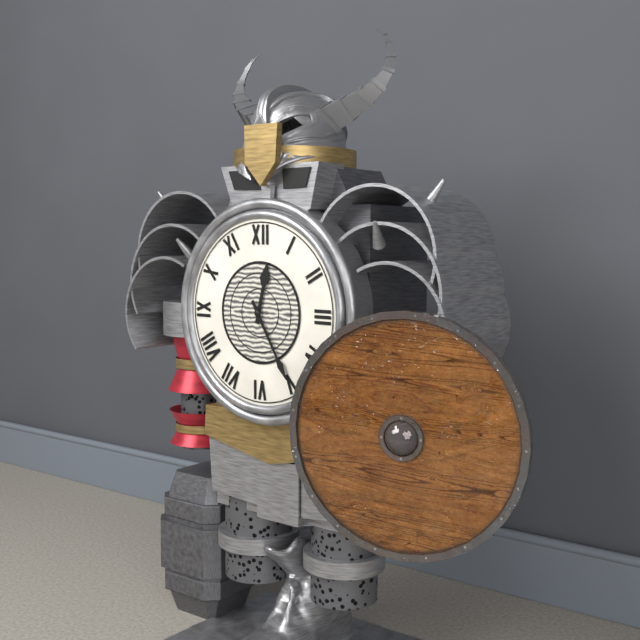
12:25
